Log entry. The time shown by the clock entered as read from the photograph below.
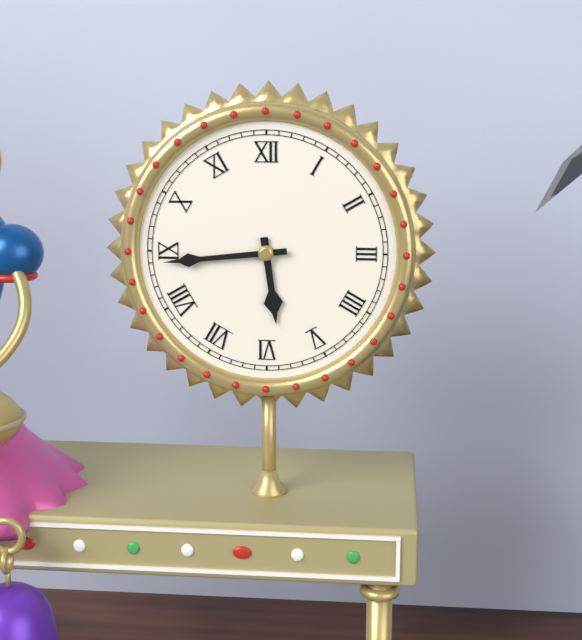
5:44
